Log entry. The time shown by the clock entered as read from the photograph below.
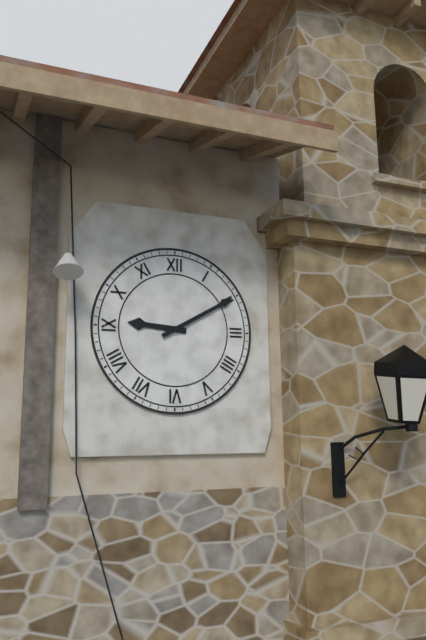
9:10
